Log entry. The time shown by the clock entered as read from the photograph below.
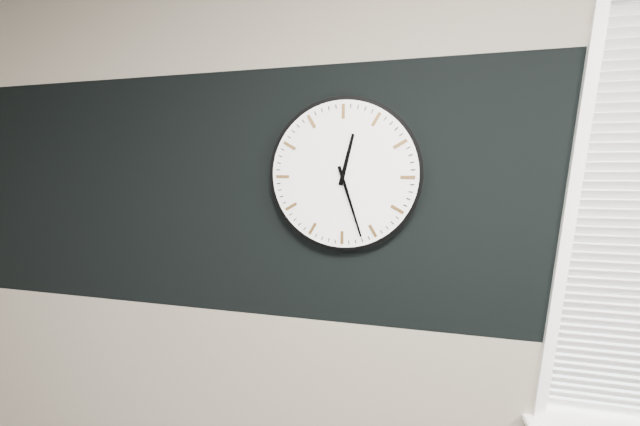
12:27
